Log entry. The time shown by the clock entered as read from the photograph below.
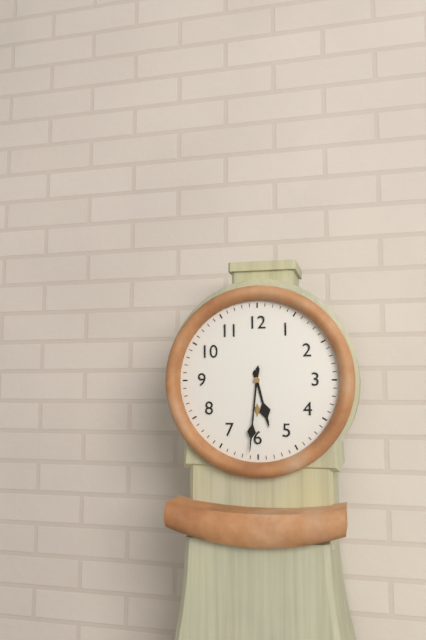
5:31
